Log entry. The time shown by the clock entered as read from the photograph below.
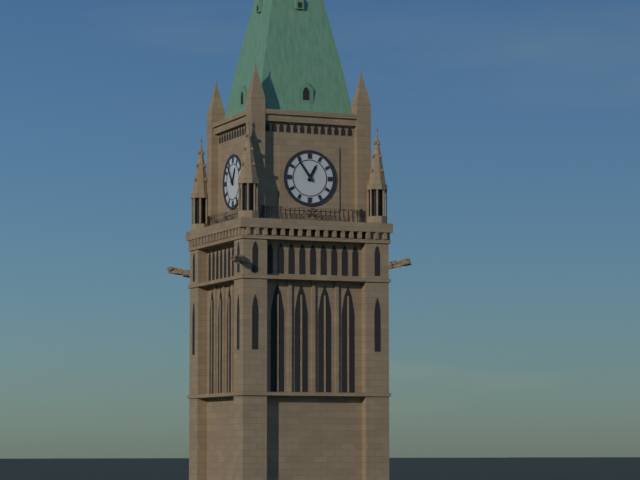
12:54
